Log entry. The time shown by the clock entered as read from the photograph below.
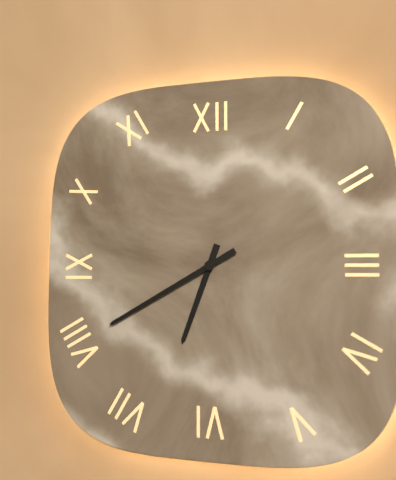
6:40
